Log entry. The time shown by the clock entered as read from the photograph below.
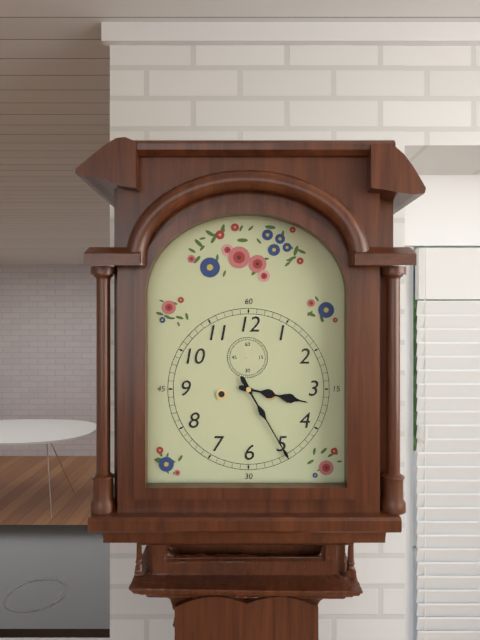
3:25
